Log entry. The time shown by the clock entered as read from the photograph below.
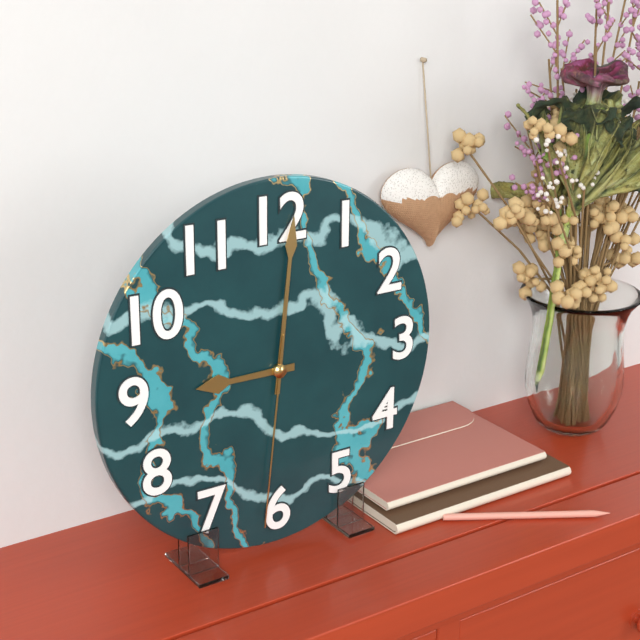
9:01:31
